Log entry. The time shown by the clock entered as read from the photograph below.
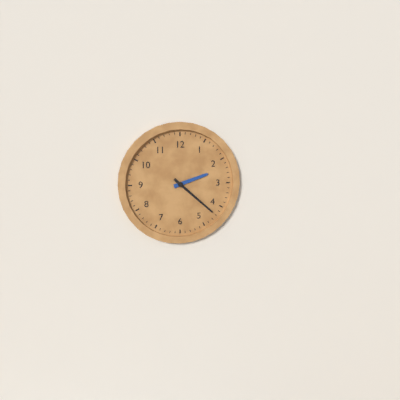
2:22
